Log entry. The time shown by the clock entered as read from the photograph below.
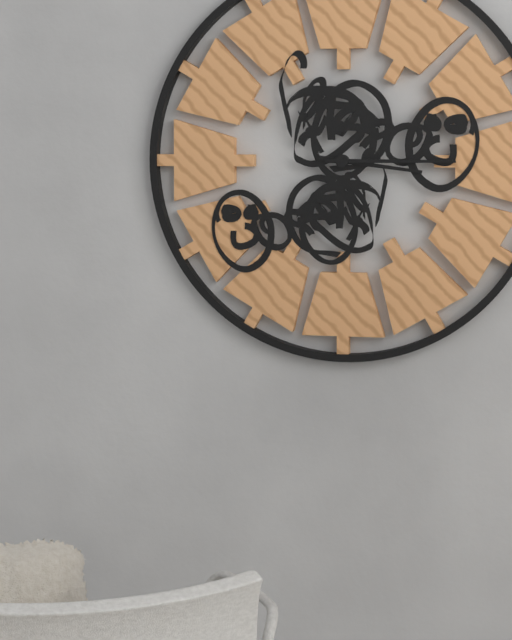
3:15
